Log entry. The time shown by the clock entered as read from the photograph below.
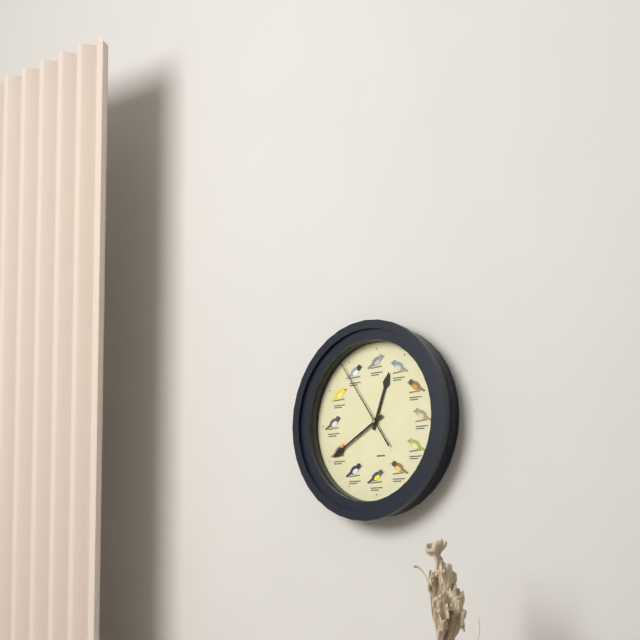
12:40:54
